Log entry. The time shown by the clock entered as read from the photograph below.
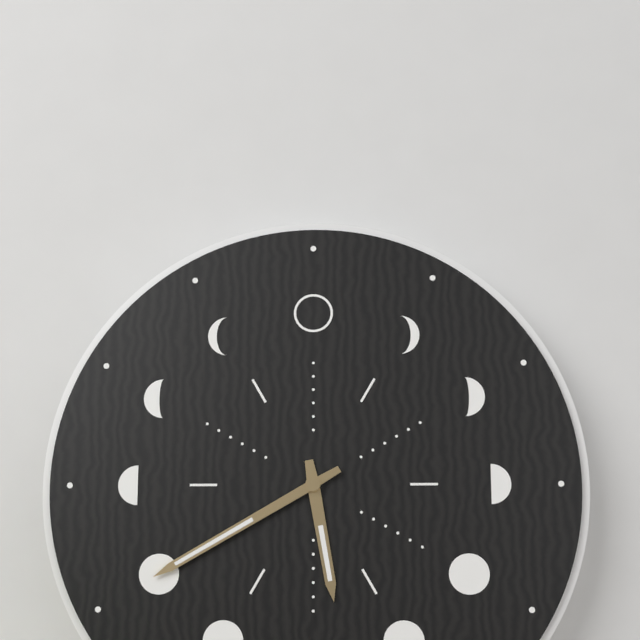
5:40
